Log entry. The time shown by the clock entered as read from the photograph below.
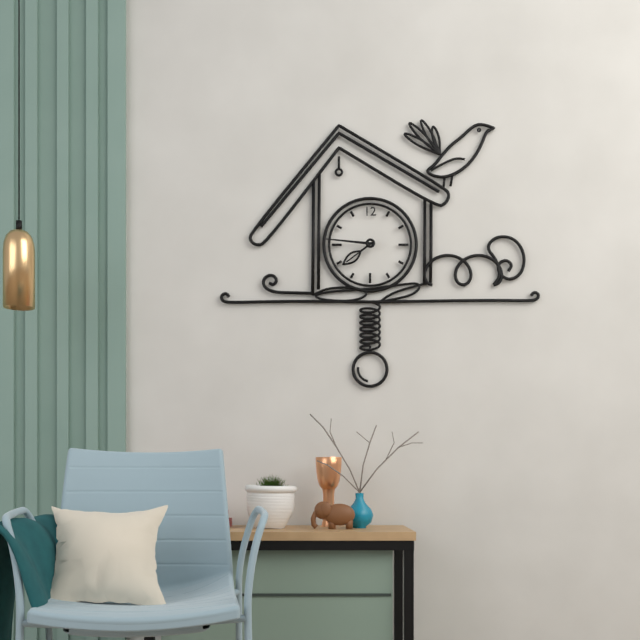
7:46
